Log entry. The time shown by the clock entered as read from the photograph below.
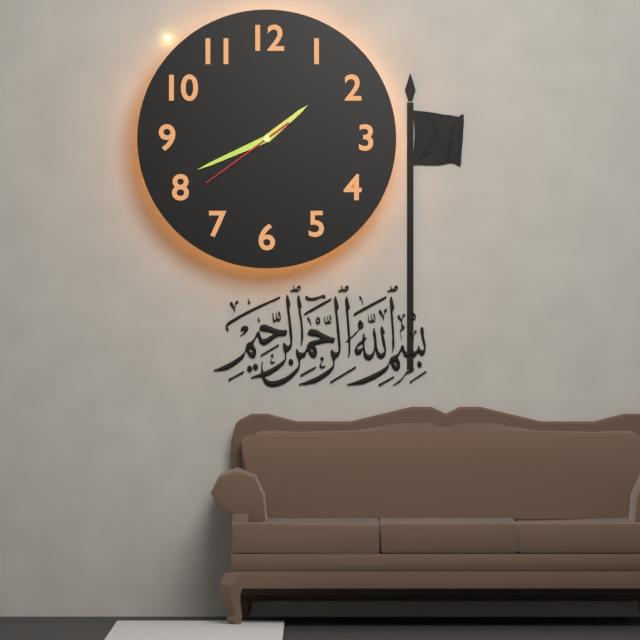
1:41:39
